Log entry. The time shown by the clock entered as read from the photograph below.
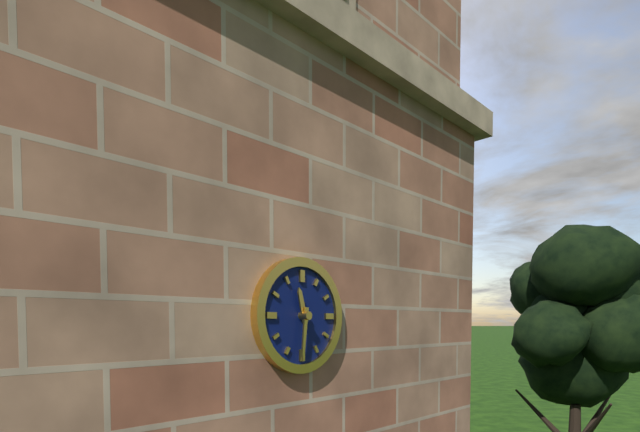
11:31
